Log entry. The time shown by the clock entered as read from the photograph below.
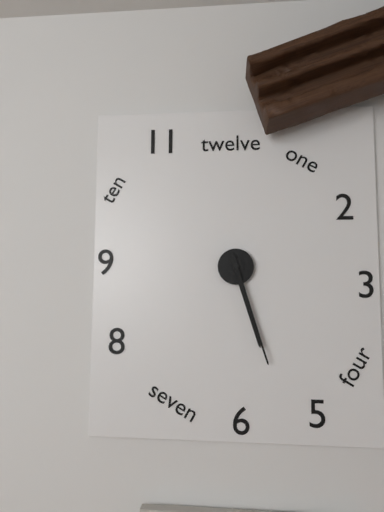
5:27
